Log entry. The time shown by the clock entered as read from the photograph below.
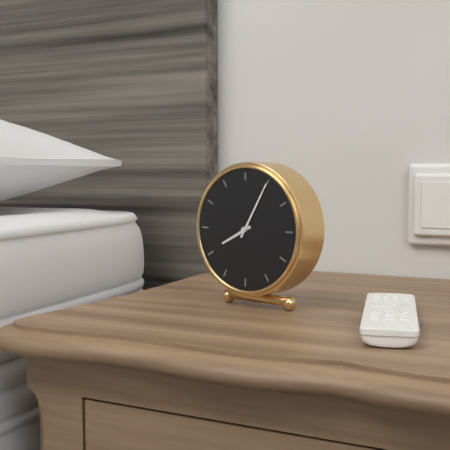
8:05
